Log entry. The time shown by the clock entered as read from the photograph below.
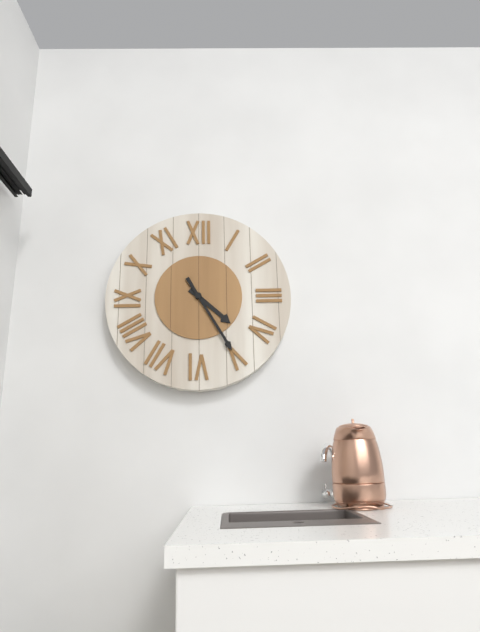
4:25
